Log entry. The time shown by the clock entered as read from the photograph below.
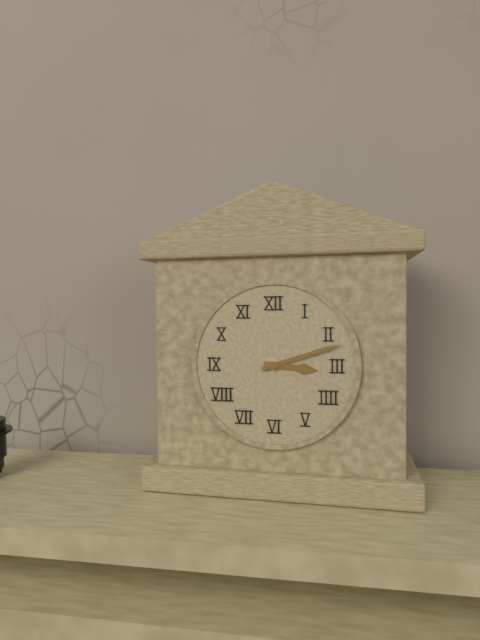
3:12
